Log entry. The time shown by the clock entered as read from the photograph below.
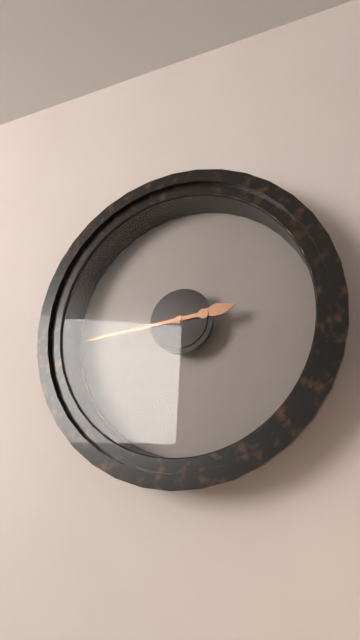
2:44
